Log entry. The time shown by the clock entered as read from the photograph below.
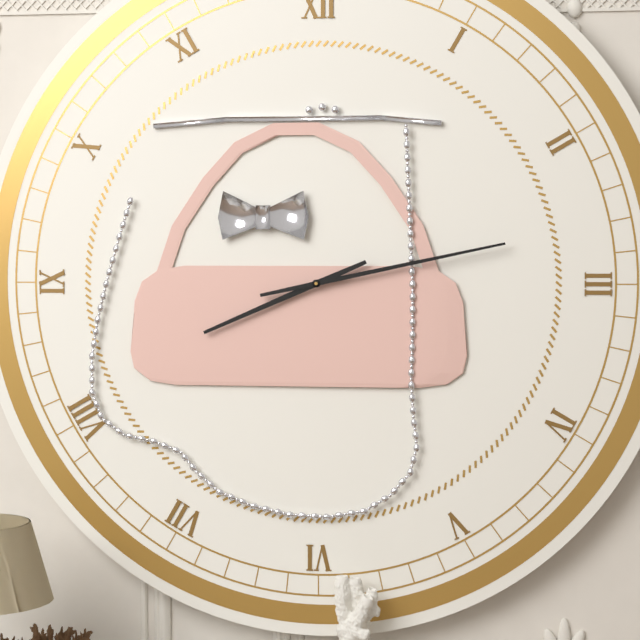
8:13
